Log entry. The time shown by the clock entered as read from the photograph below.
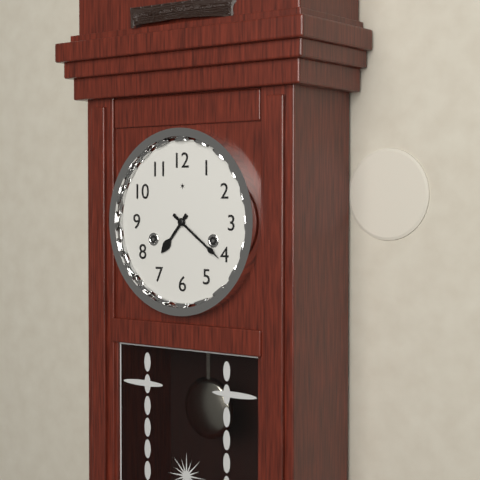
7:21
